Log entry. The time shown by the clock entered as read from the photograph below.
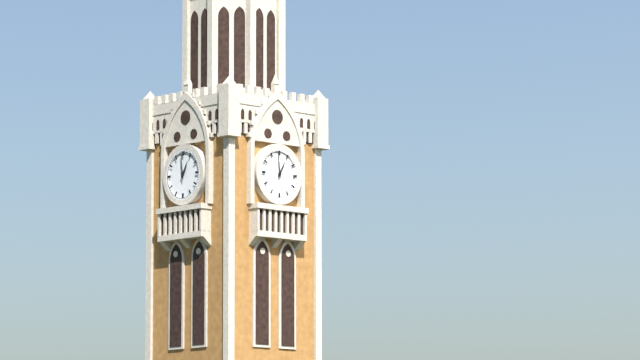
12:59
